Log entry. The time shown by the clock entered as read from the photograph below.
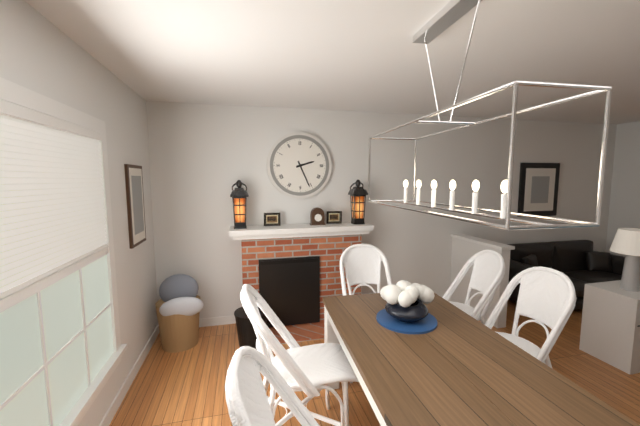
2:26
